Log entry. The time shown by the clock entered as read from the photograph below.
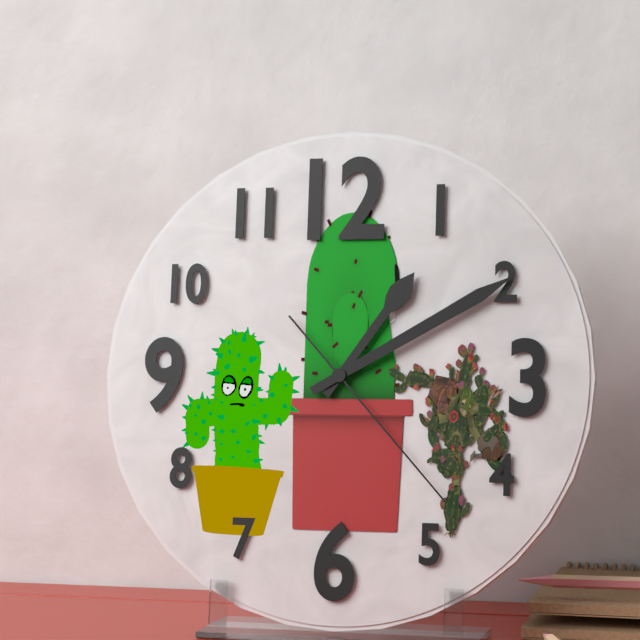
1:10:23
